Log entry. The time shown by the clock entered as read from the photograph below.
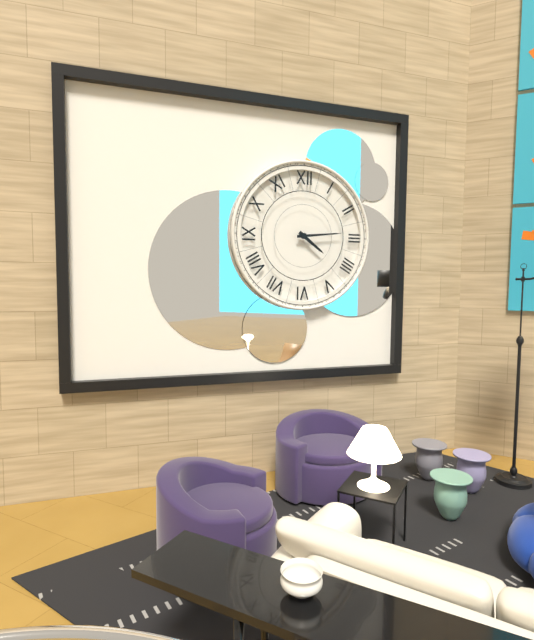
4:14
